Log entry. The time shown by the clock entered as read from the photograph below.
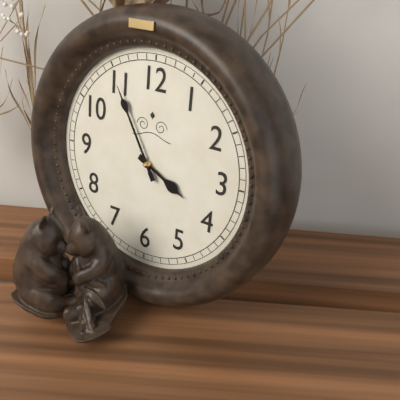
3:55
